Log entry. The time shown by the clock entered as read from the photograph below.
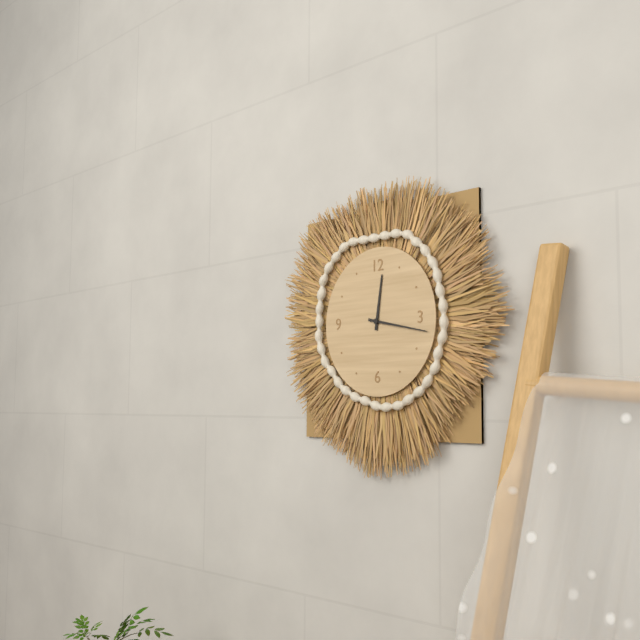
12:17
